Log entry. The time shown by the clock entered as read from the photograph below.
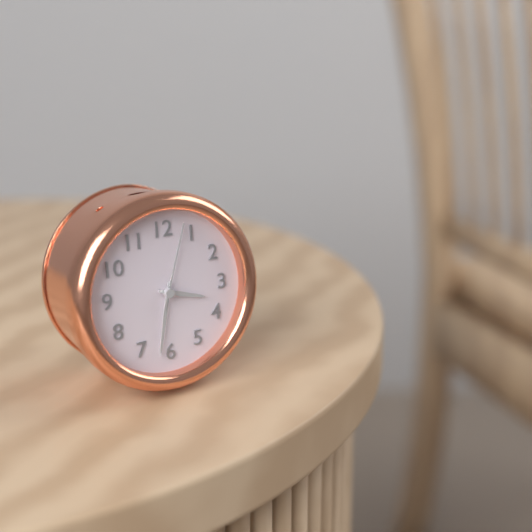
3:32:03
